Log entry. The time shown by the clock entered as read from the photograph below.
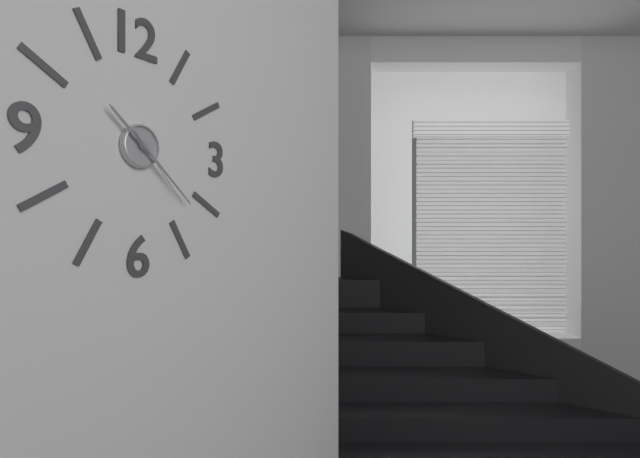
10:22:23
